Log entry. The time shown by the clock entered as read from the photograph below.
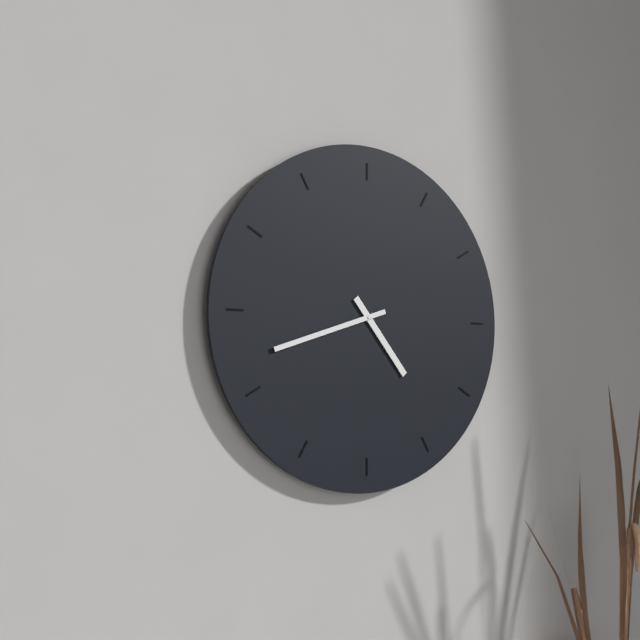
4:42
